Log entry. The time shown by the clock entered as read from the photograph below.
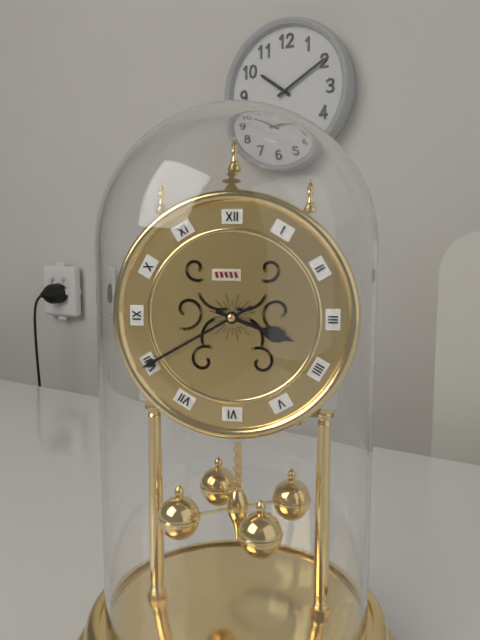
3:40
